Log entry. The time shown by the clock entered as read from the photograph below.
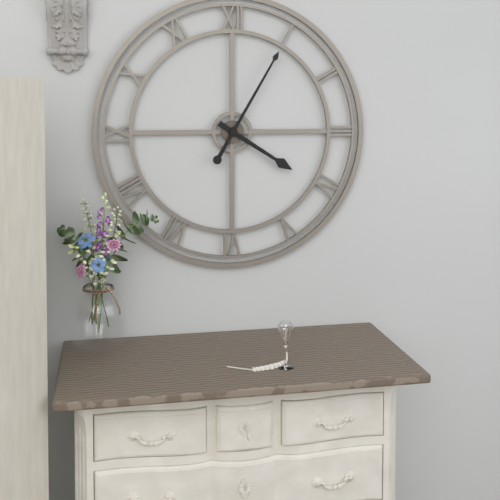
4:05
